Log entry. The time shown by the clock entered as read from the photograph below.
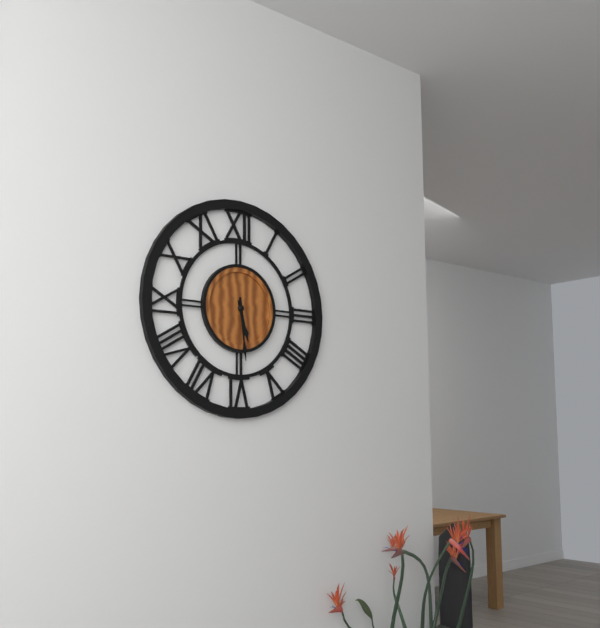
5:29
